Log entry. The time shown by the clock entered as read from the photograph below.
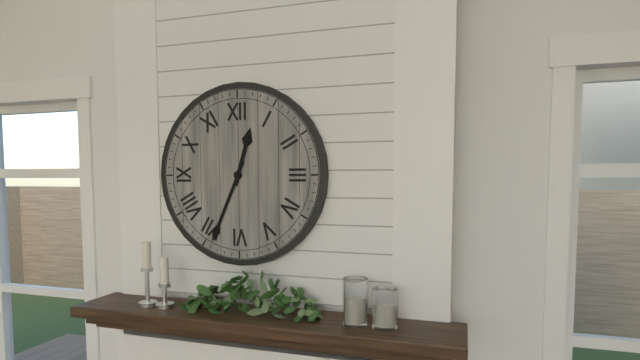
12:34
